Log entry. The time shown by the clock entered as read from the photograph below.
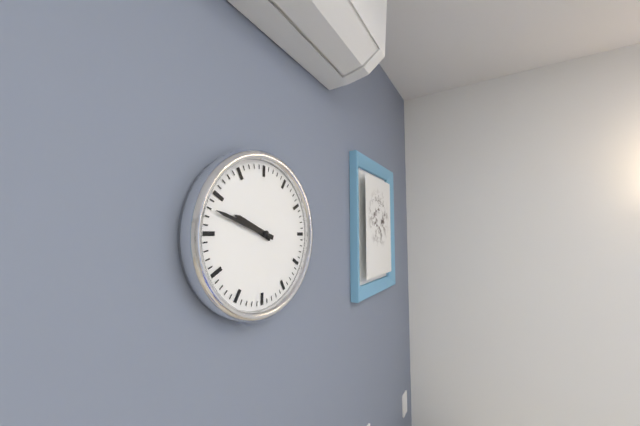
9:48
